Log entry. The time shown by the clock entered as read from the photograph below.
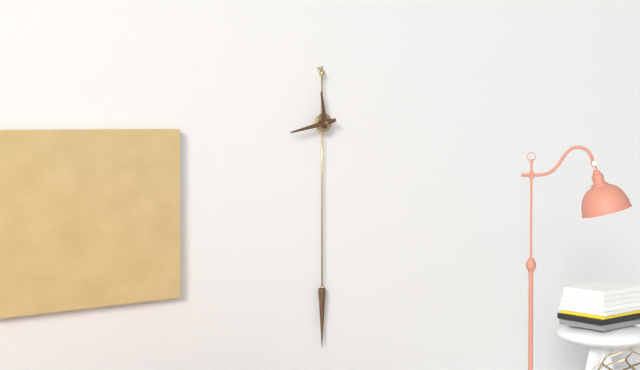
11:43
